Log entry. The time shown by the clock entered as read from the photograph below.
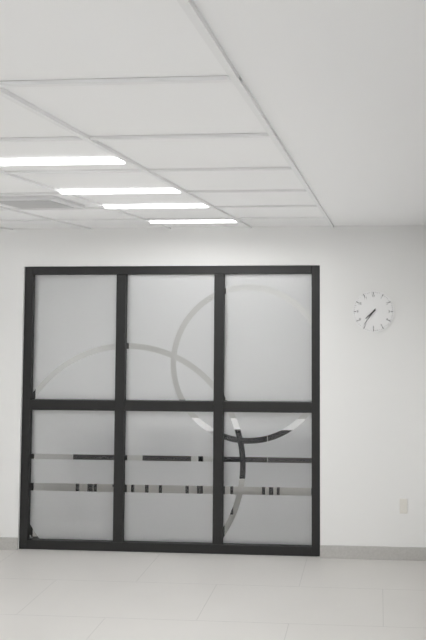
7:36
